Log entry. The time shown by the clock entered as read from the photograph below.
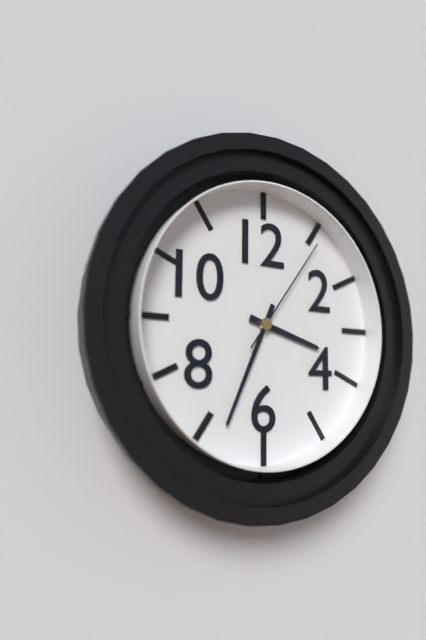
3:34:06
